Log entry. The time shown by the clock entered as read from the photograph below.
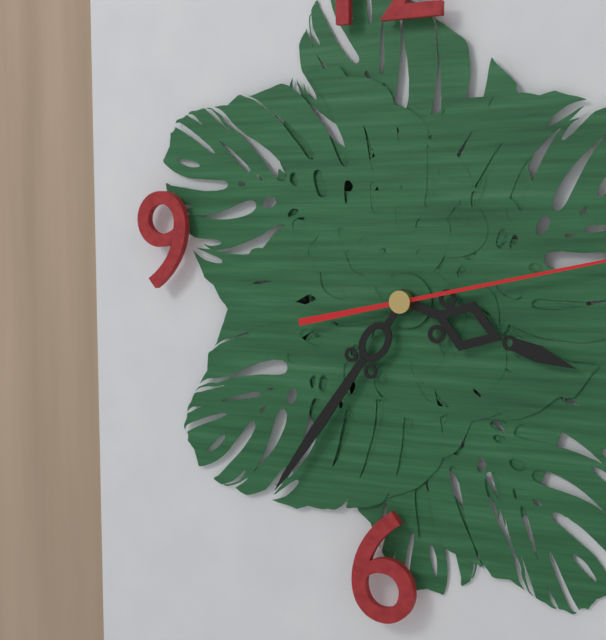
3:36
